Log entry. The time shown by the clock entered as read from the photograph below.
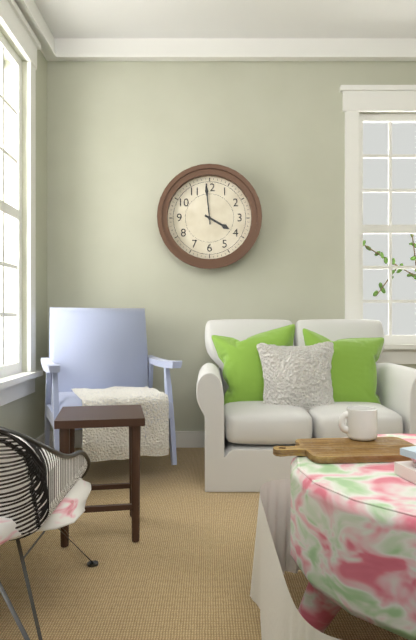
3:59
